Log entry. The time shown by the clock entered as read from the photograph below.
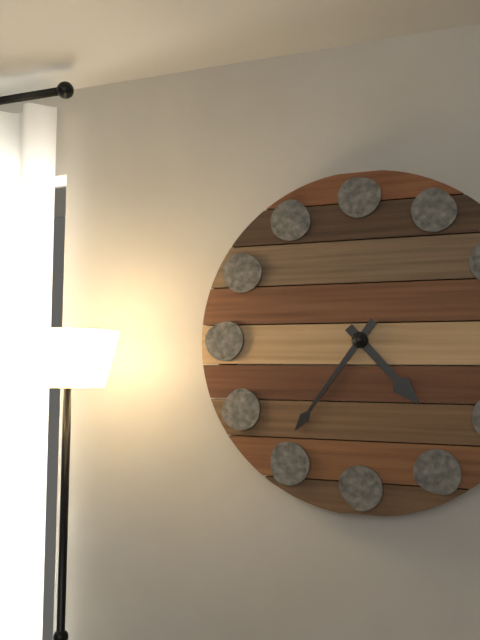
4:36
